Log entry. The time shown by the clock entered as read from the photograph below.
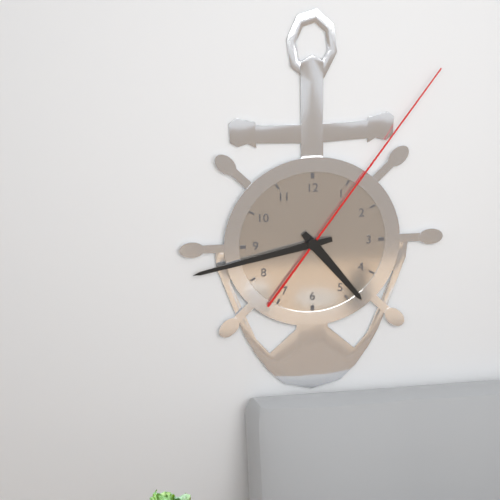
4:43:06
